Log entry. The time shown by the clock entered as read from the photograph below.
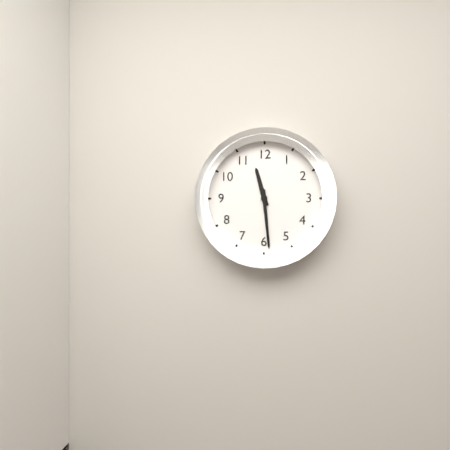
11:29
